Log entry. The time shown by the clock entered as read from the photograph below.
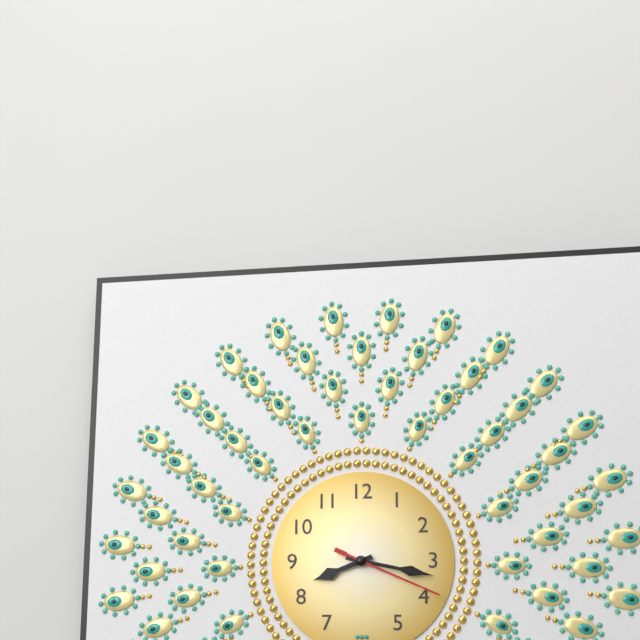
8:17:19
